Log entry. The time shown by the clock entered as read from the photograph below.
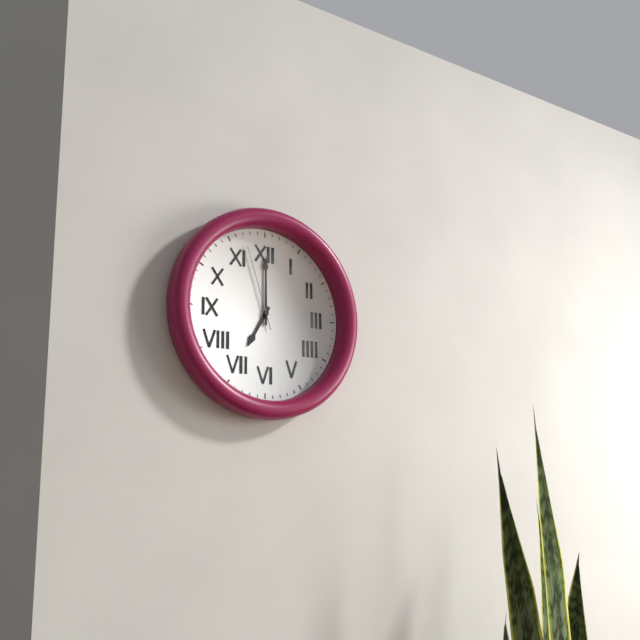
7:00:57
